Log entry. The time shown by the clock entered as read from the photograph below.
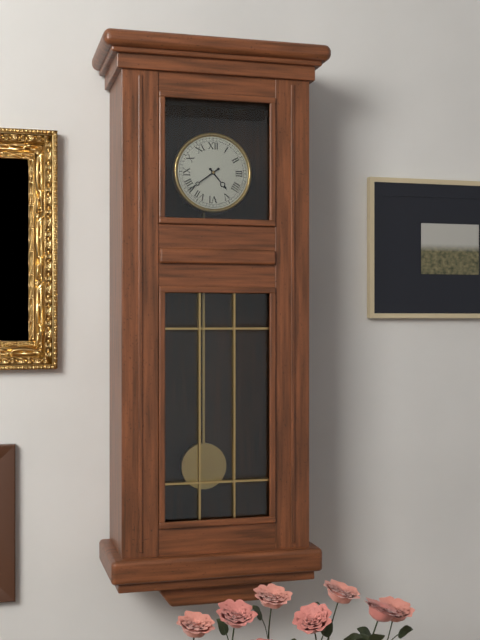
4:39
